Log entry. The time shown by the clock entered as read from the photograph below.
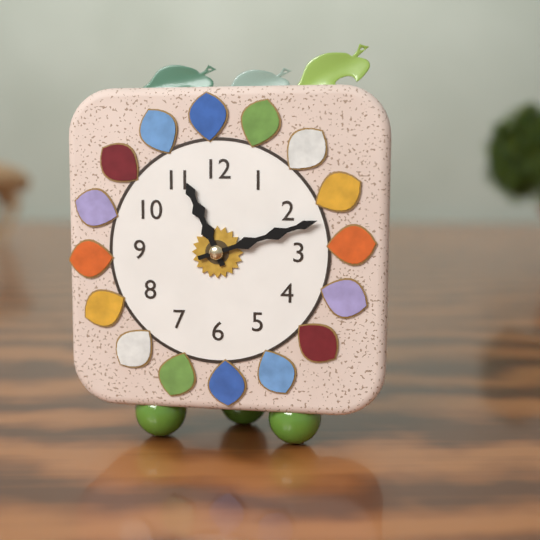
11:12
